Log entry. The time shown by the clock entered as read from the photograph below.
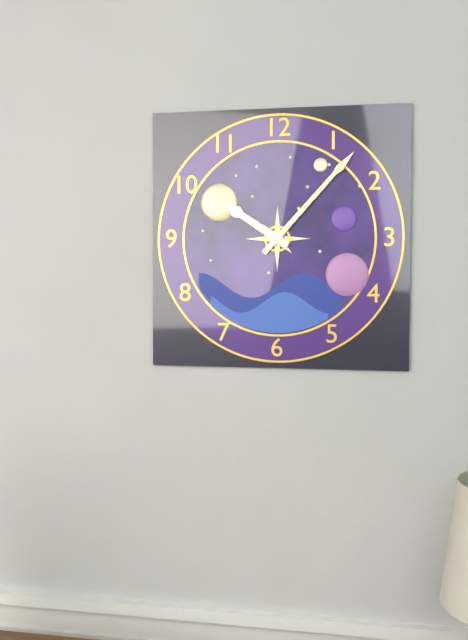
10:07
